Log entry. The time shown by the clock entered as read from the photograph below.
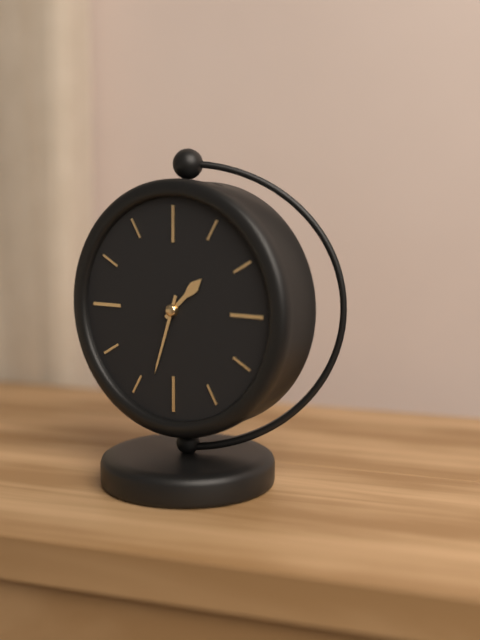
1:33
